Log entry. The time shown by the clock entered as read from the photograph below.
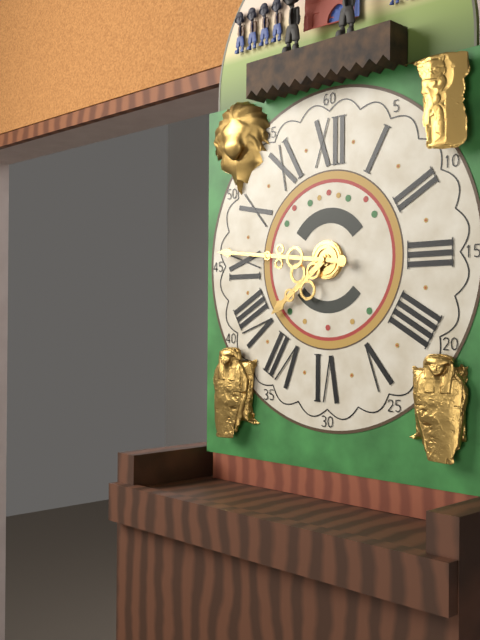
7:46
